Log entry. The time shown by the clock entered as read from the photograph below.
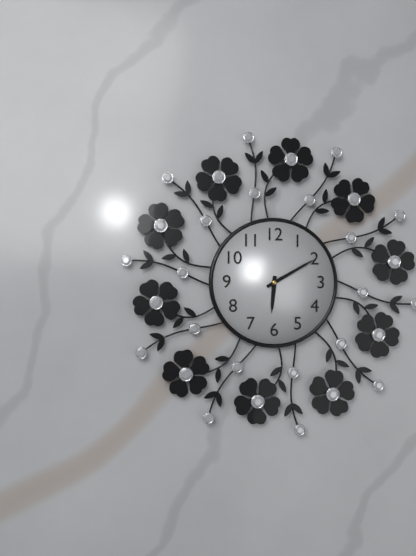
6:10
